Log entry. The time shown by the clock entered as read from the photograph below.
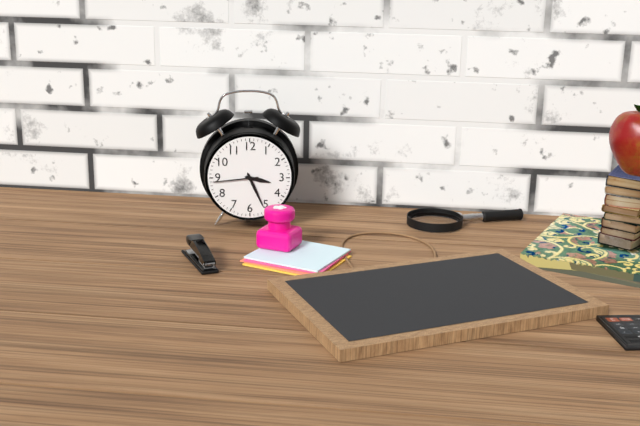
3:26
